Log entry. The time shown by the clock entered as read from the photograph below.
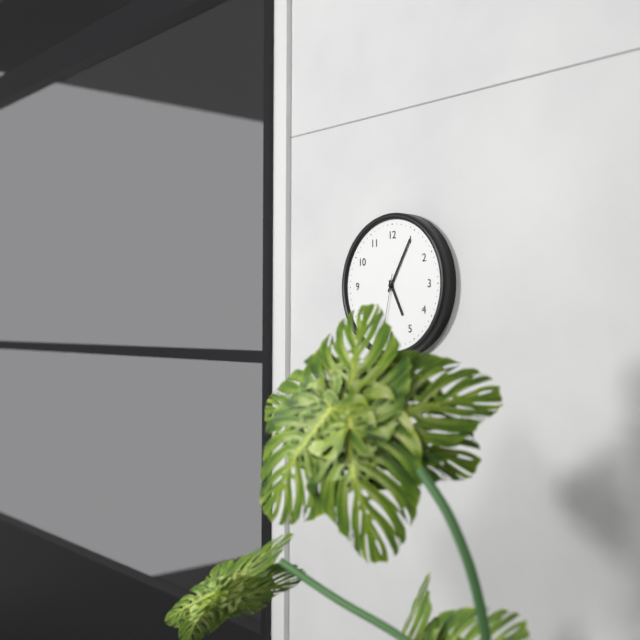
5:05:32
